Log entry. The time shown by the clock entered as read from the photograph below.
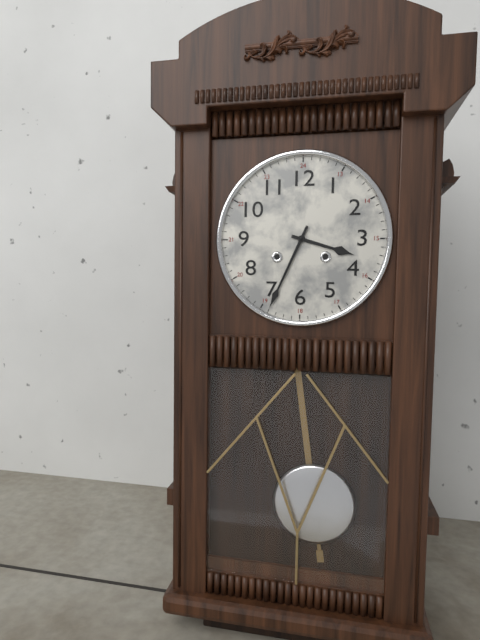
3:34
